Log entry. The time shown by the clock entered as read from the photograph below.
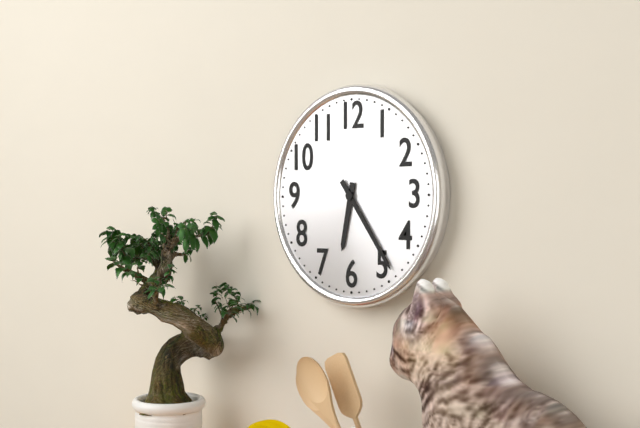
6:24
